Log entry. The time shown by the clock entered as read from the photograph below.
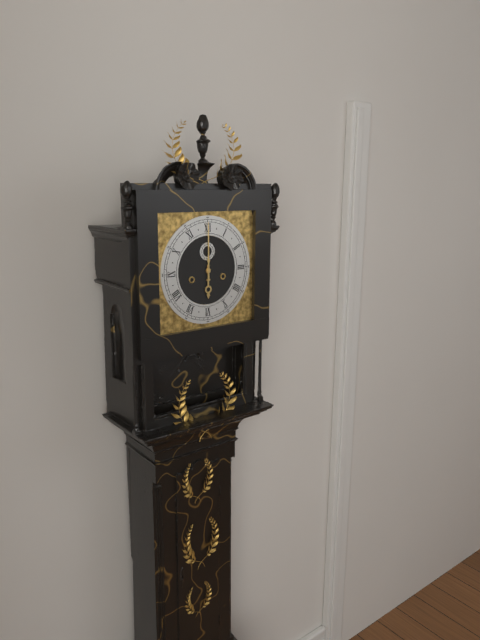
6:00
